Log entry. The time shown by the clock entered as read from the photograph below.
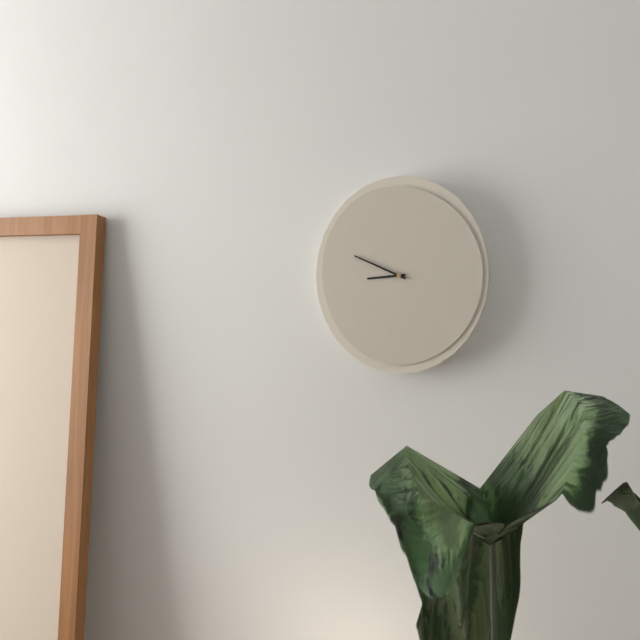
8:49
